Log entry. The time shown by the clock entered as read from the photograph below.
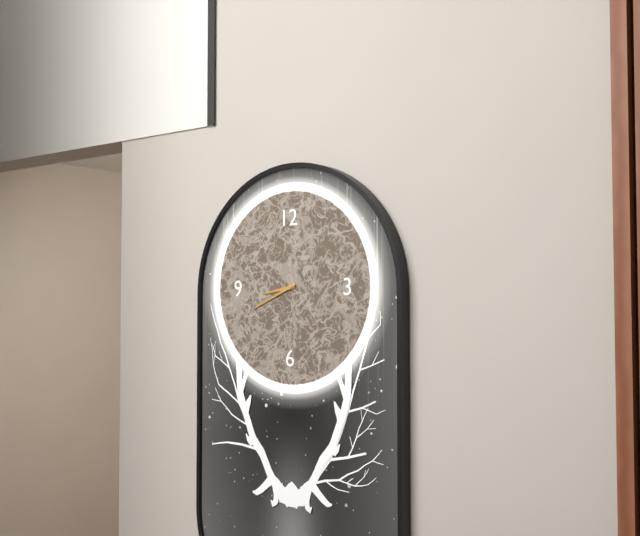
8:41
